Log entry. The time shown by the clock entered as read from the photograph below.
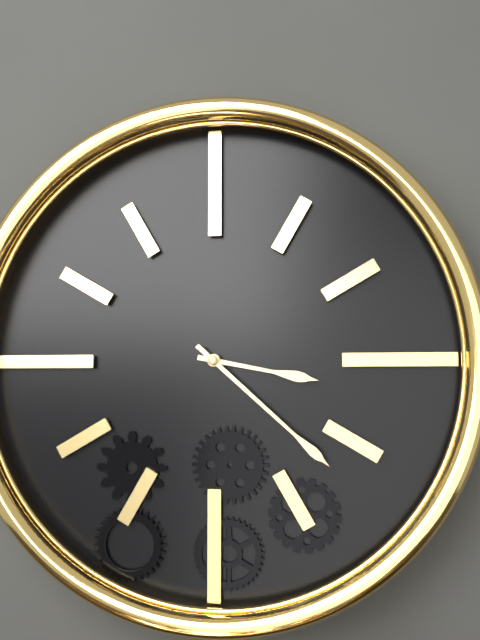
3:22
